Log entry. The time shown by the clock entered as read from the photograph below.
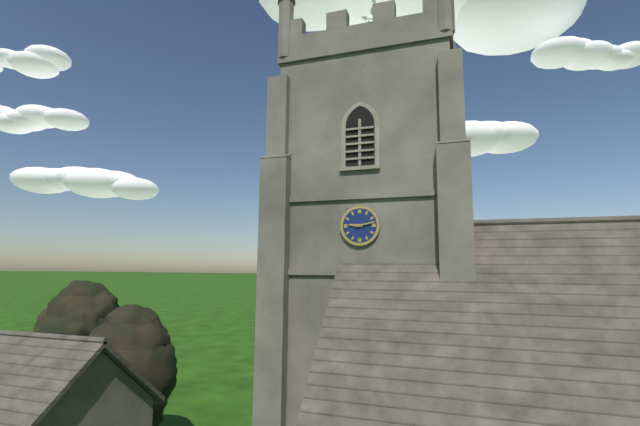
9:13
